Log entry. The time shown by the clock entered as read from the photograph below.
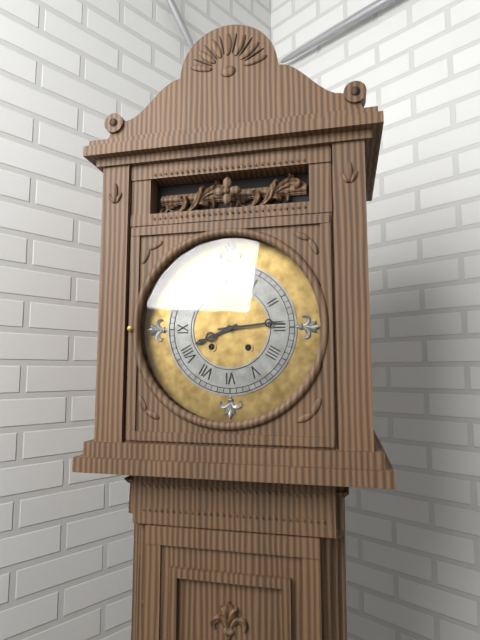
8:14
